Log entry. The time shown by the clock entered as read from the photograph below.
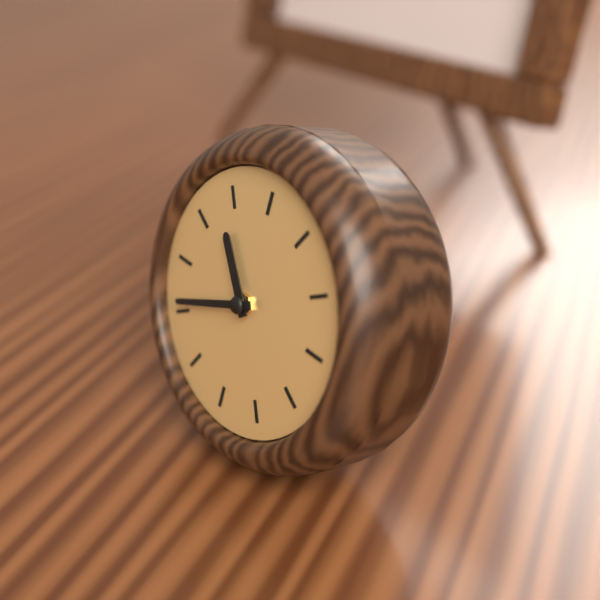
10:41
